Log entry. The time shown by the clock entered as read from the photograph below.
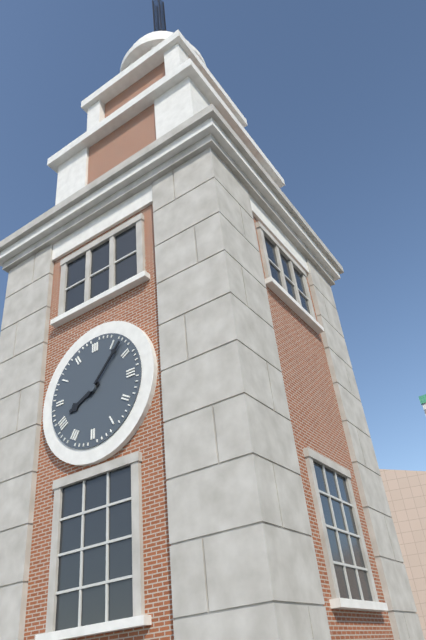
8:07
